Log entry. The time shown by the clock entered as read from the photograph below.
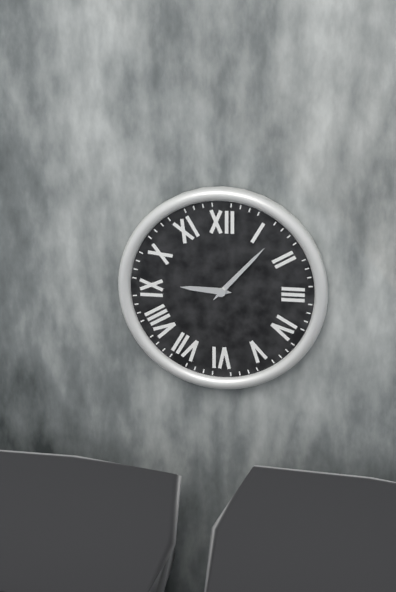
9:07
